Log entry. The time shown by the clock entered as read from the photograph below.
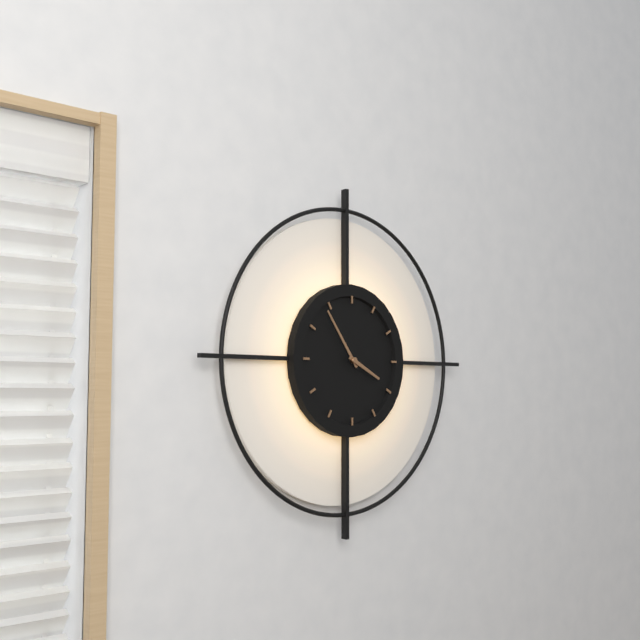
3:54
